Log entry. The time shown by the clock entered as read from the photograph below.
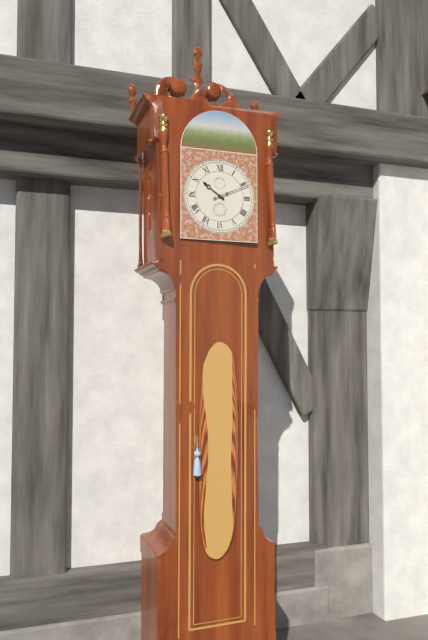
10:11
